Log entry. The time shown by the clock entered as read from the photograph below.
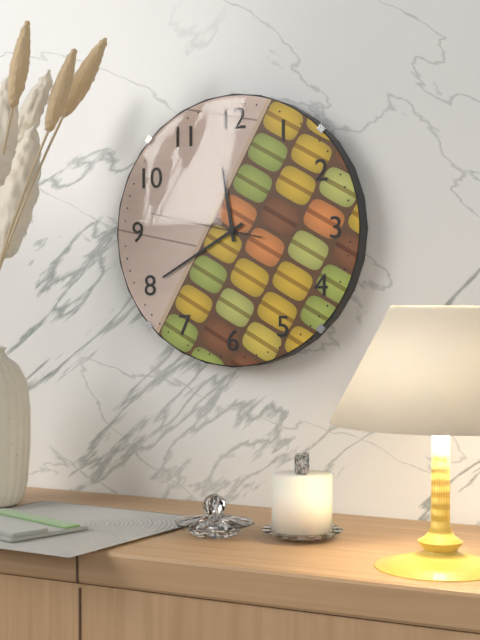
11:40:47
